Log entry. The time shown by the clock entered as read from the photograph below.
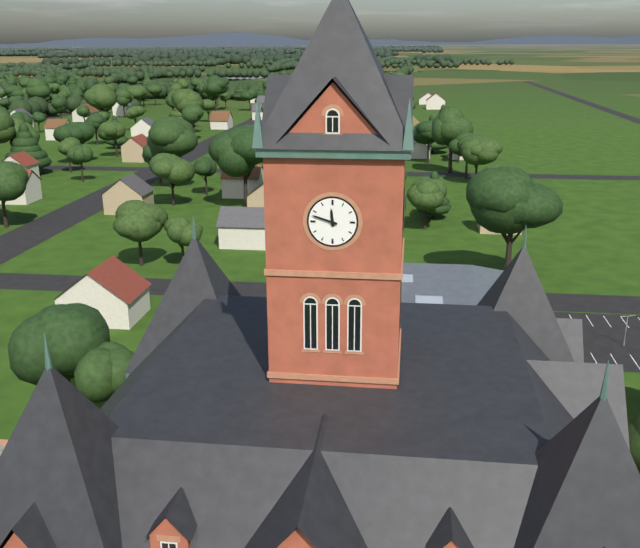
11:48
